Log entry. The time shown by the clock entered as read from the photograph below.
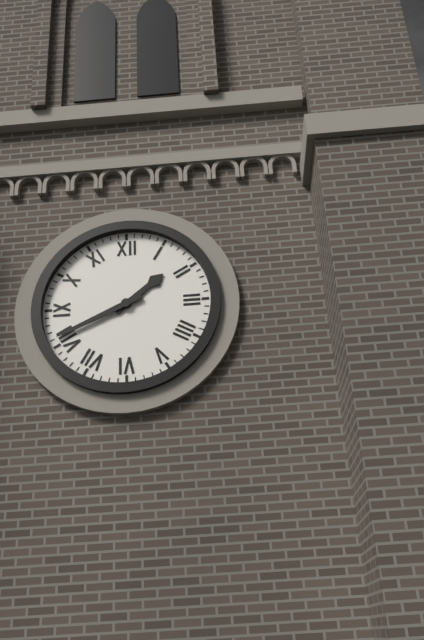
1:41
